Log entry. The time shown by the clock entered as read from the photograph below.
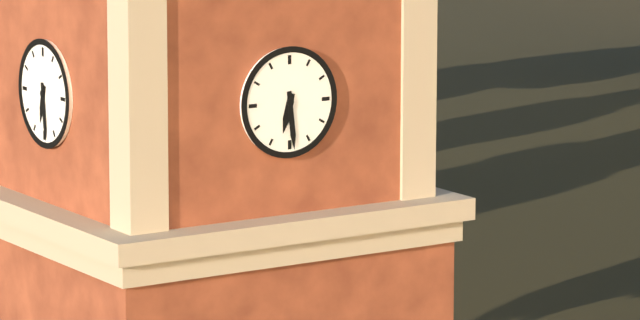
6:29
